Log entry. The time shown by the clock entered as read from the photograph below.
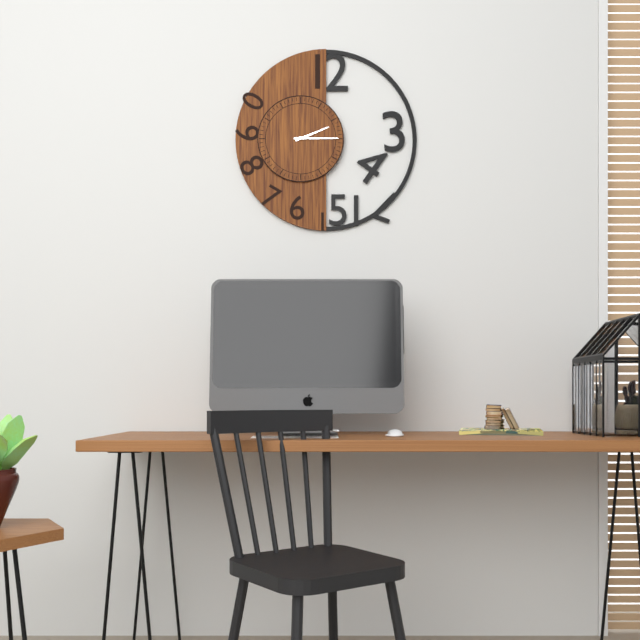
2:15
